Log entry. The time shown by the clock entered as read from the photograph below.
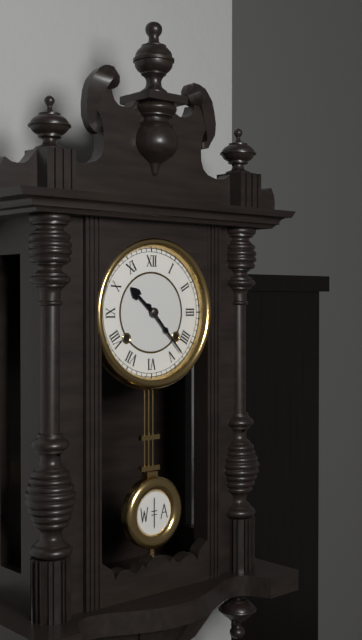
10:23
